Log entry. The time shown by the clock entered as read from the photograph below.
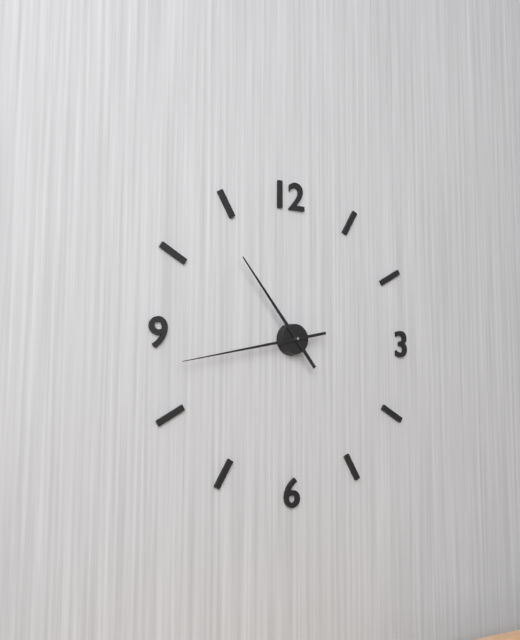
10:43
